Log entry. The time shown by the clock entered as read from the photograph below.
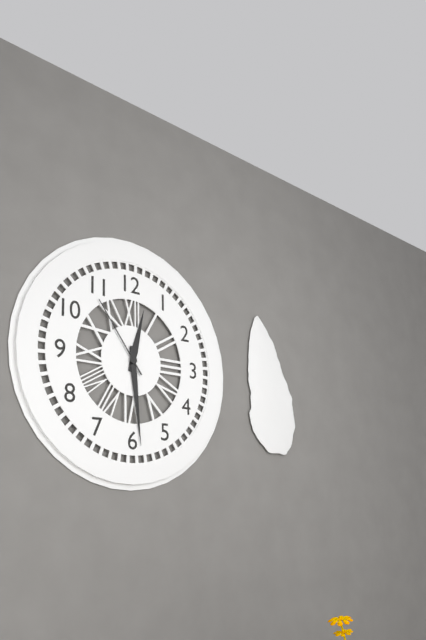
12:29:54
